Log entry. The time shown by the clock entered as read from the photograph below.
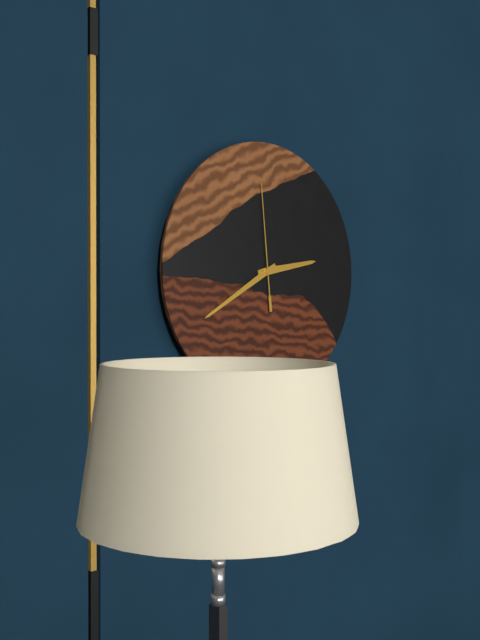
2:40:59
